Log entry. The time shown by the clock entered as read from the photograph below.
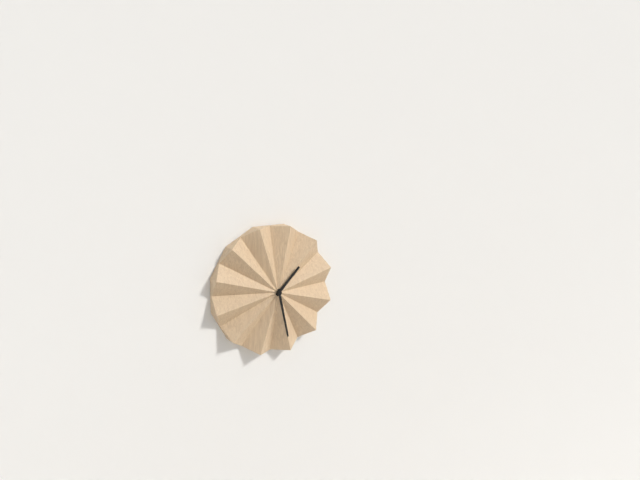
1:28
